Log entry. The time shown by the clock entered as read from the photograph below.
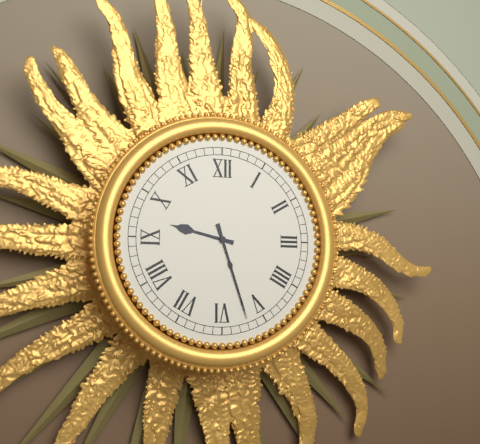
9:27
